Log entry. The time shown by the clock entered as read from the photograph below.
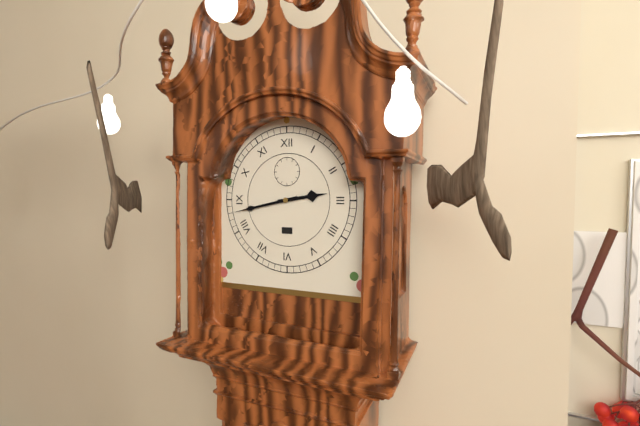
2:43
